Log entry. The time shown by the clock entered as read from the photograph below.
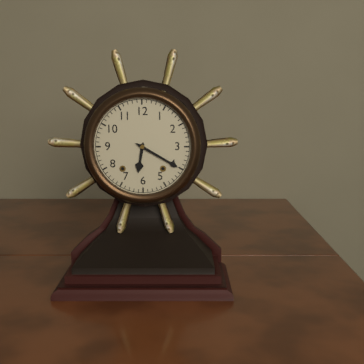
6:20
